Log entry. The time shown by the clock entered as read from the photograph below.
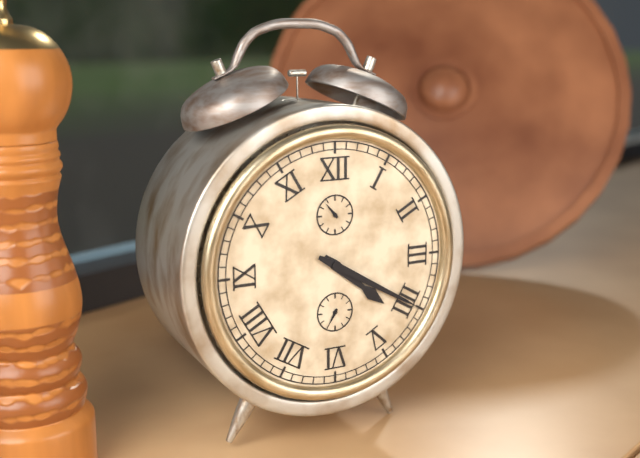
4:20
